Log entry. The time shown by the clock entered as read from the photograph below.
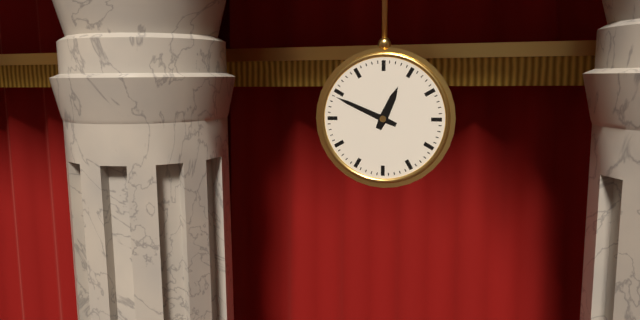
12:49
